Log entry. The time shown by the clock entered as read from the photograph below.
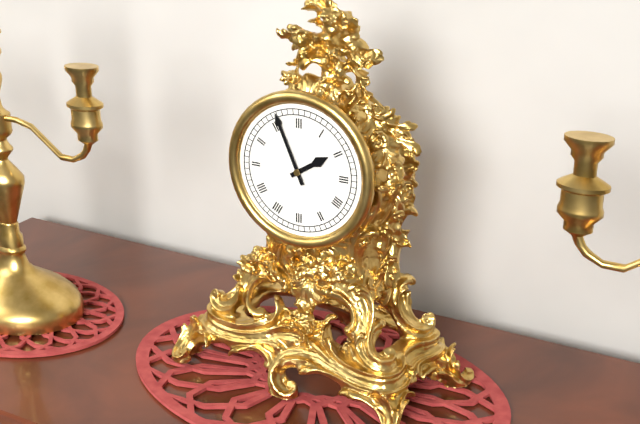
1:56
